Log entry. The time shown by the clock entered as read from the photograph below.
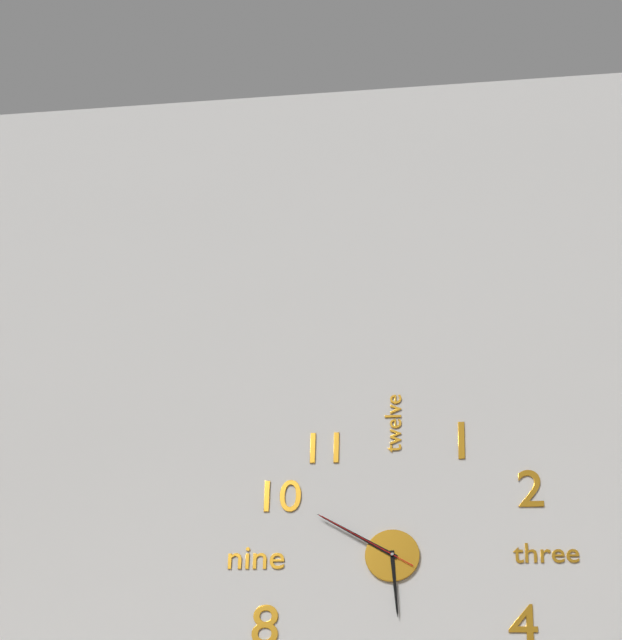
5:50:50
